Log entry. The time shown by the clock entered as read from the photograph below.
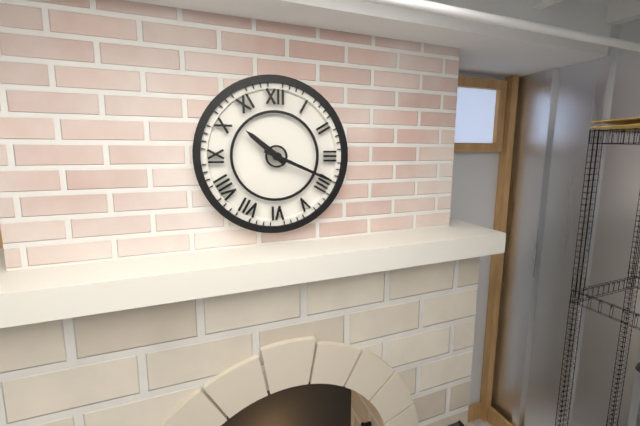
10:19
